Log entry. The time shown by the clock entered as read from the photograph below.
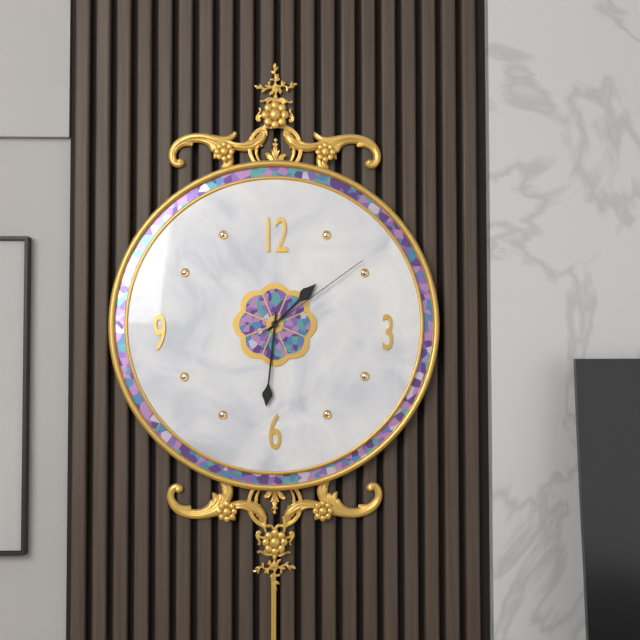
1:31:09
